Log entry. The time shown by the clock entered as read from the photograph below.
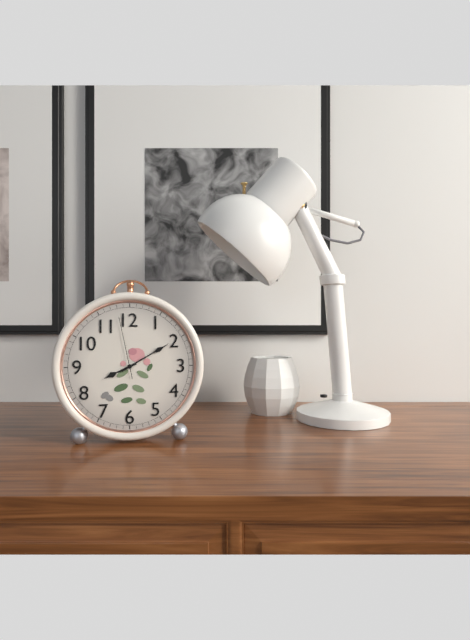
8:10:58
